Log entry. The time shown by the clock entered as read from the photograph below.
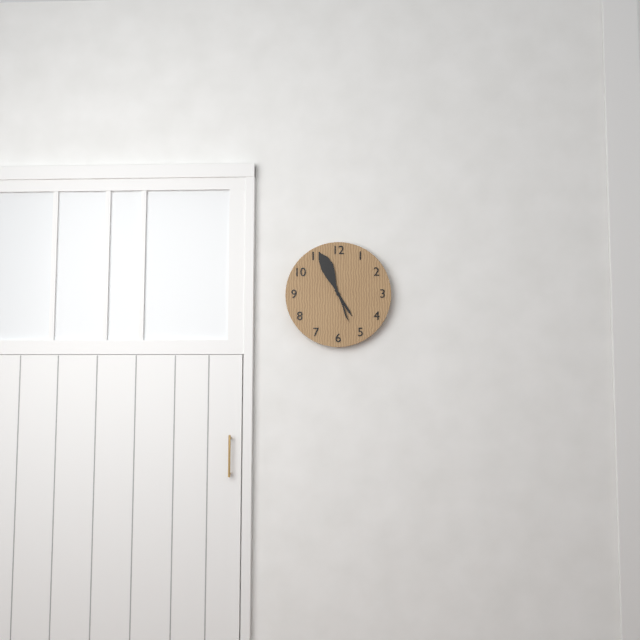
4:56
